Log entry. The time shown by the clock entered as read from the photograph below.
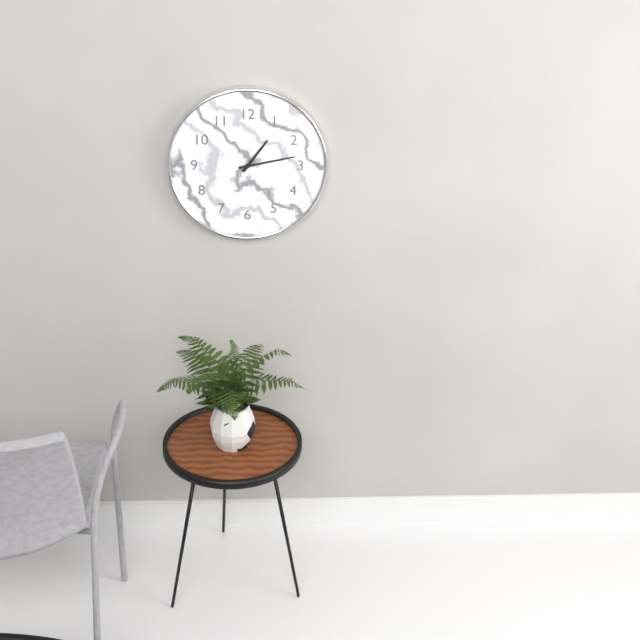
1:13
